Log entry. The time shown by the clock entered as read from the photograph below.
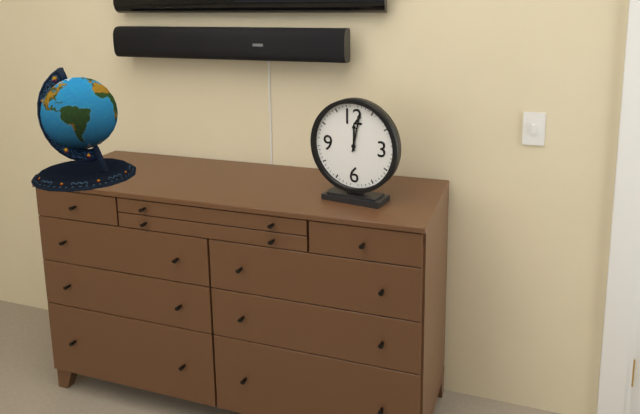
12:02
